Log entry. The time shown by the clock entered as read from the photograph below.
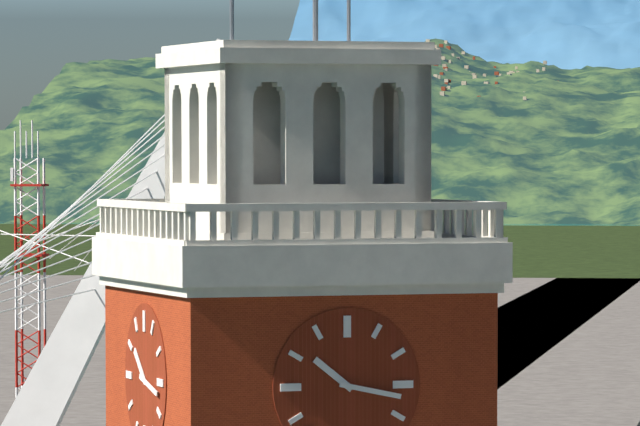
10:17
